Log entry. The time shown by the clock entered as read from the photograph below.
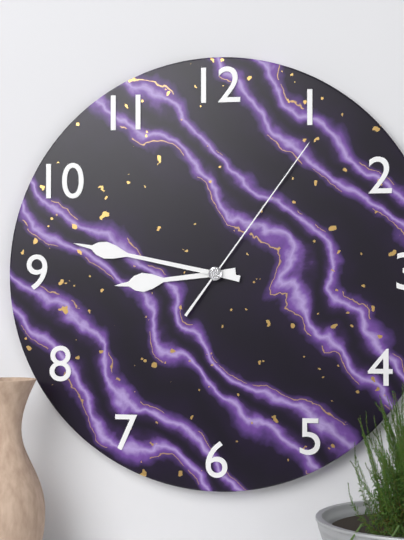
8:47:06
